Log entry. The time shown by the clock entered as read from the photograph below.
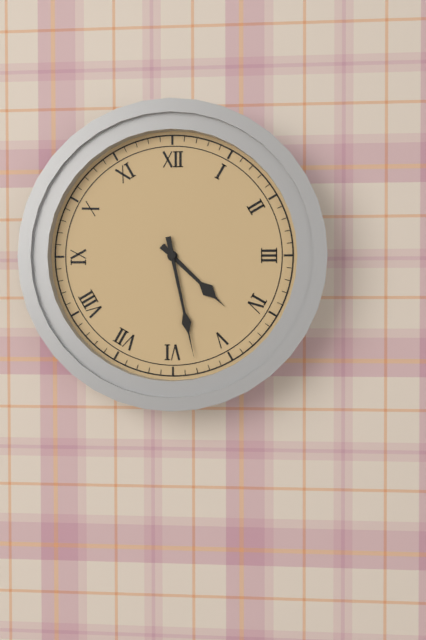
4:28
